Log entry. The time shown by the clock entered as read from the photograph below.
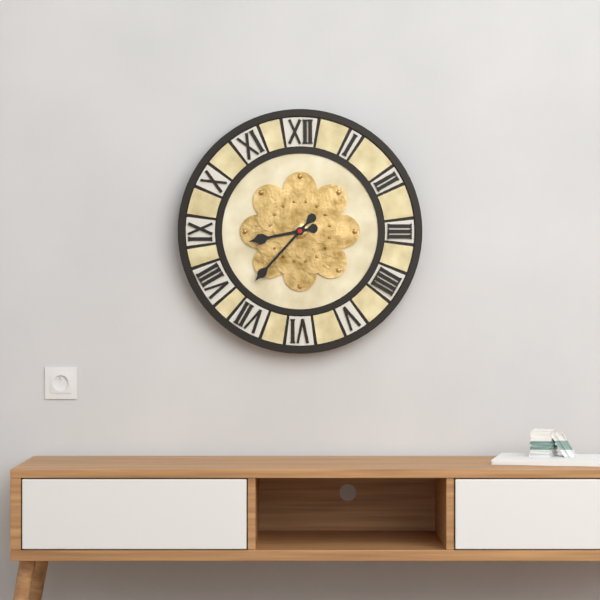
8:37
